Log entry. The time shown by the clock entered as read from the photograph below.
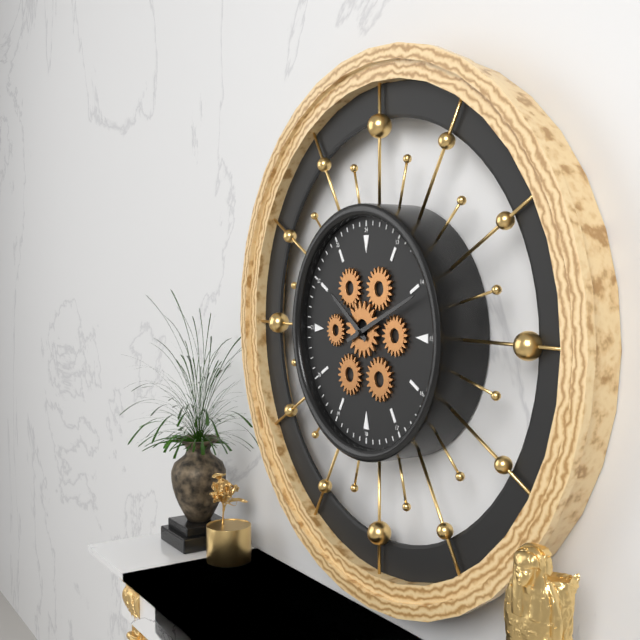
10:11
